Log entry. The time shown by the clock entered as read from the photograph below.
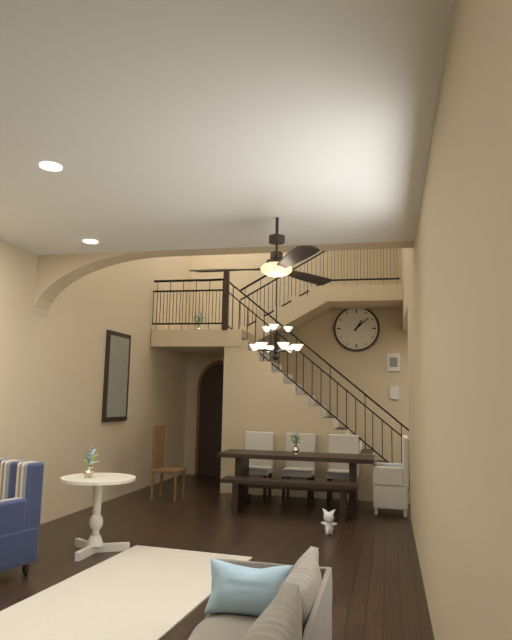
1:08
